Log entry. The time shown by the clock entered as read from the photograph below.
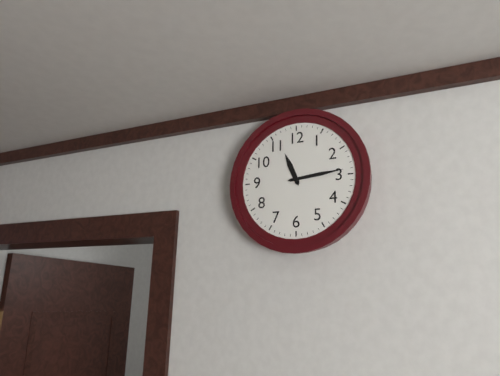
11:14
